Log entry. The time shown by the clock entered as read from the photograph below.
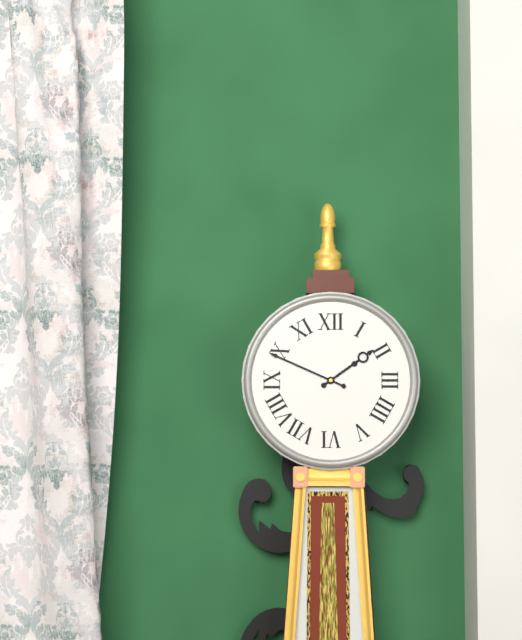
1:49
